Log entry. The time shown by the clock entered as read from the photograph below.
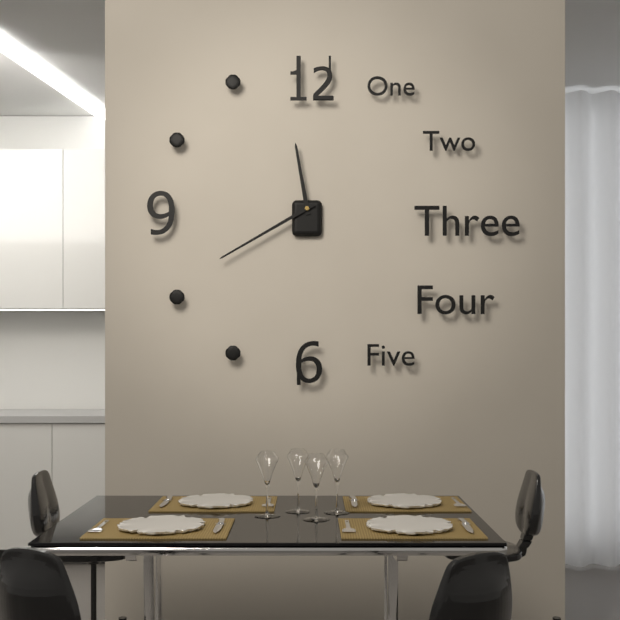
11:40
